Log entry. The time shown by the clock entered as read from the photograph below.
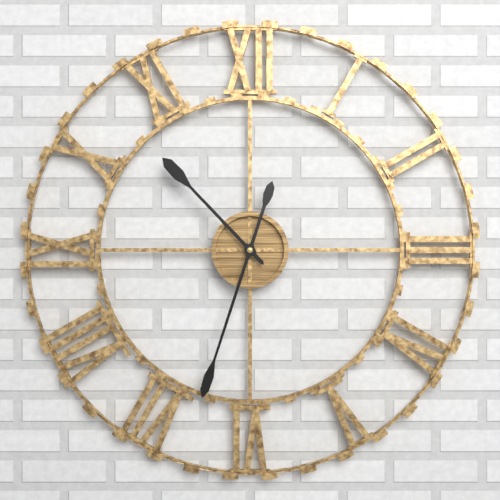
10:33
